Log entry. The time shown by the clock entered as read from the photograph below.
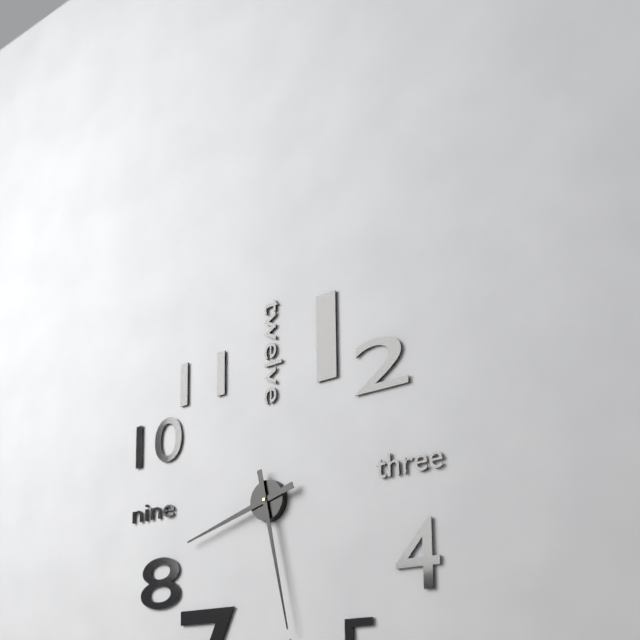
8:28
